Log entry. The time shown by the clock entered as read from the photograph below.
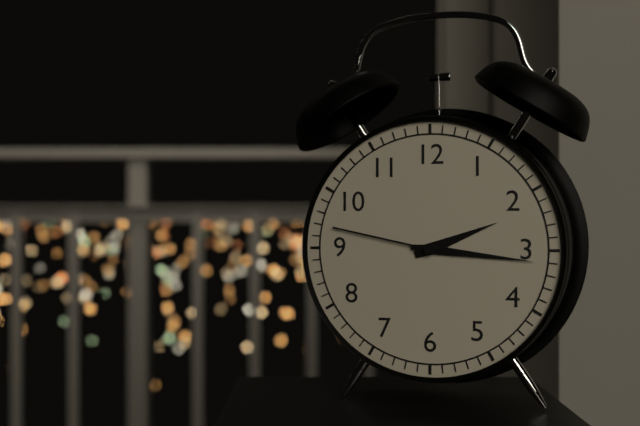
2:16:47
